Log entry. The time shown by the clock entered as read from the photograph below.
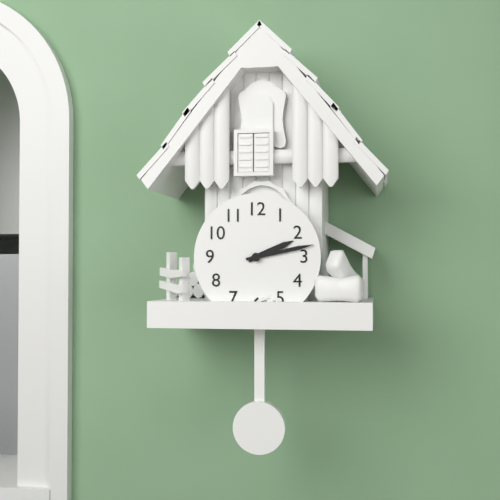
2:13
